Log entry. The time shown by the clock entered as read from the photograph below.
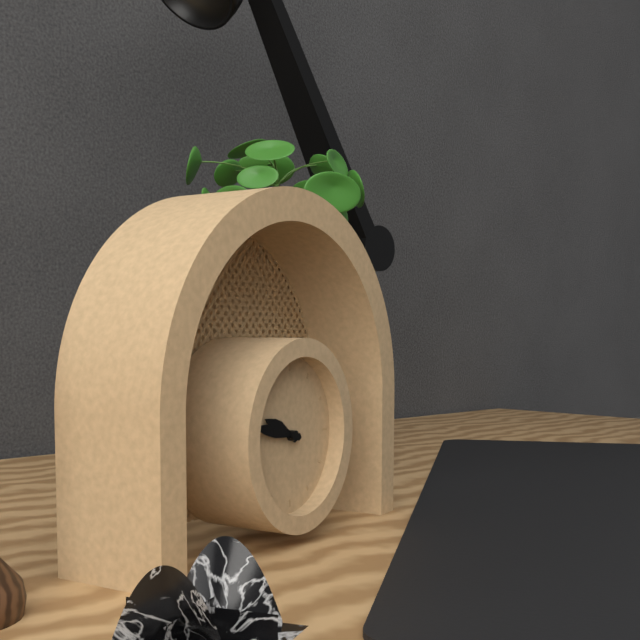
9:47
